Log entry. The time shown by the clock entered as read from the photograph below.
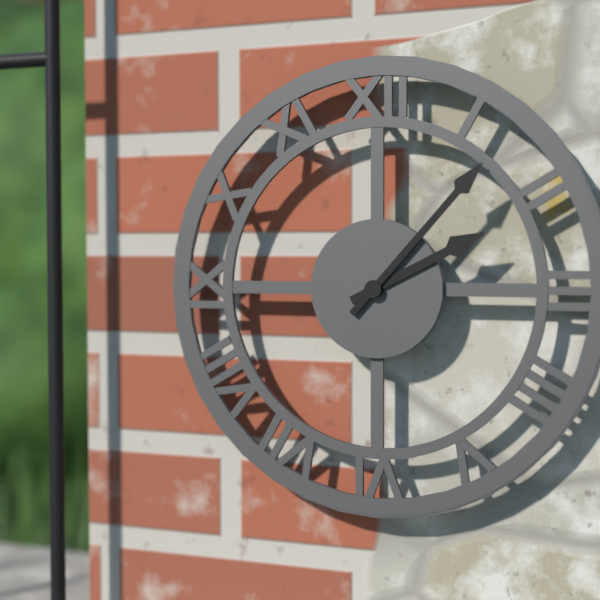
2:07
